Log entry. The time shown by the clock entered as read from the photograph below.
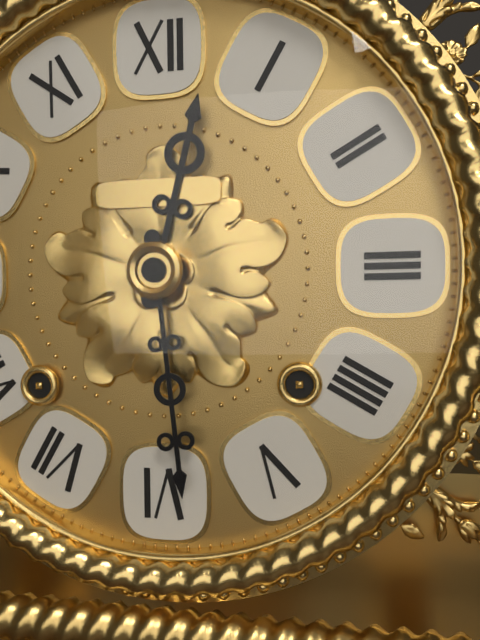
12:29
